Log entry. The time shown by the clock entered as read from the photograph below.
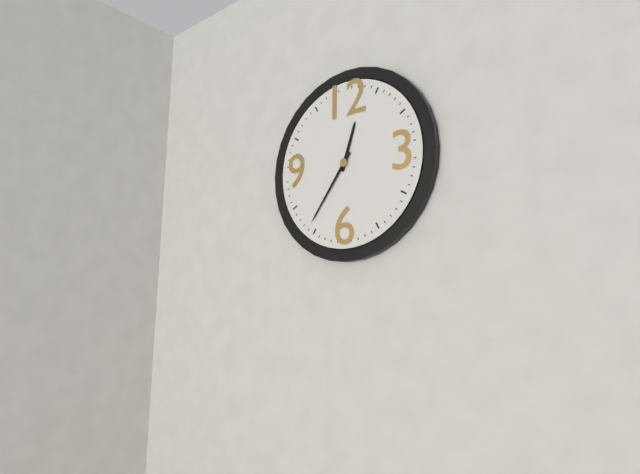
12:36
